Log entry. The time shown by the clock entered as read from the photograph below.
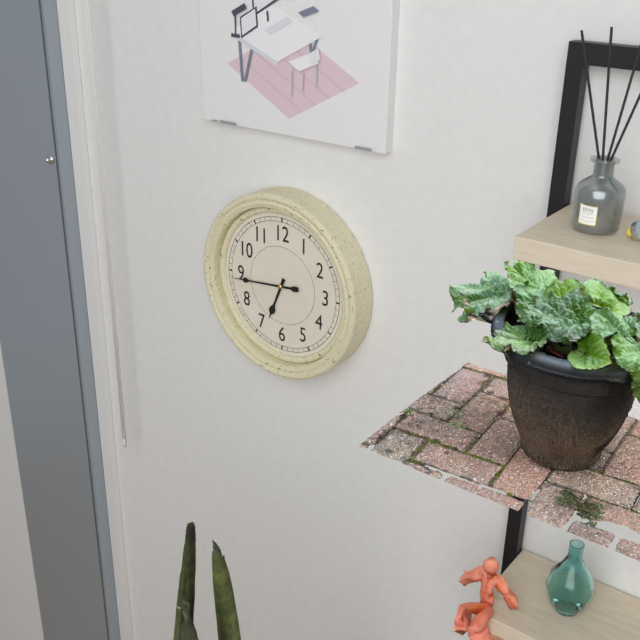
6:44
